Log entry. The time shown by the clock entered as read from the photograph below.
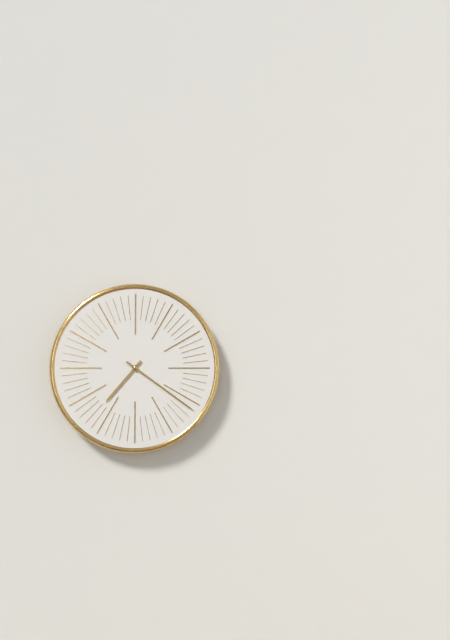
7:21
